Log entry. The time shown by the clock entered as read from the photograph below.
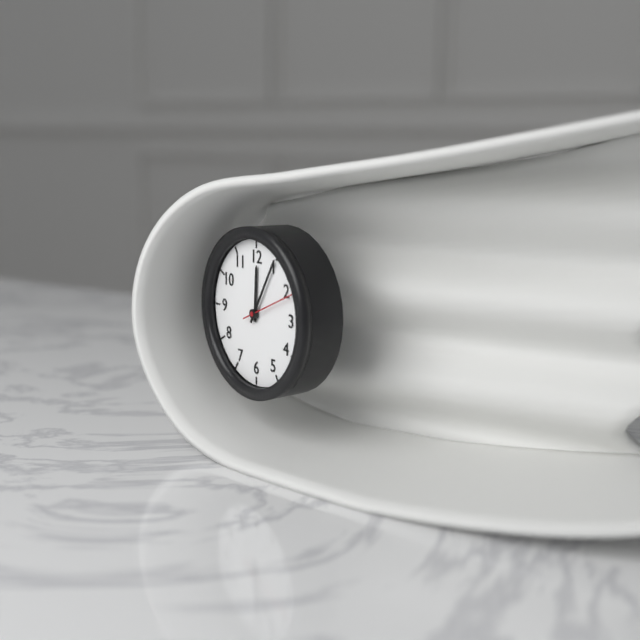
12:05:11
